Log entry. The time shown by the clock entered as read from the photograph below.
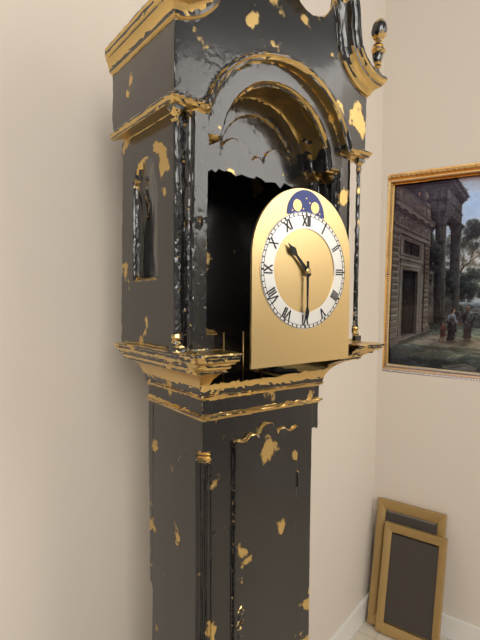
10:30
